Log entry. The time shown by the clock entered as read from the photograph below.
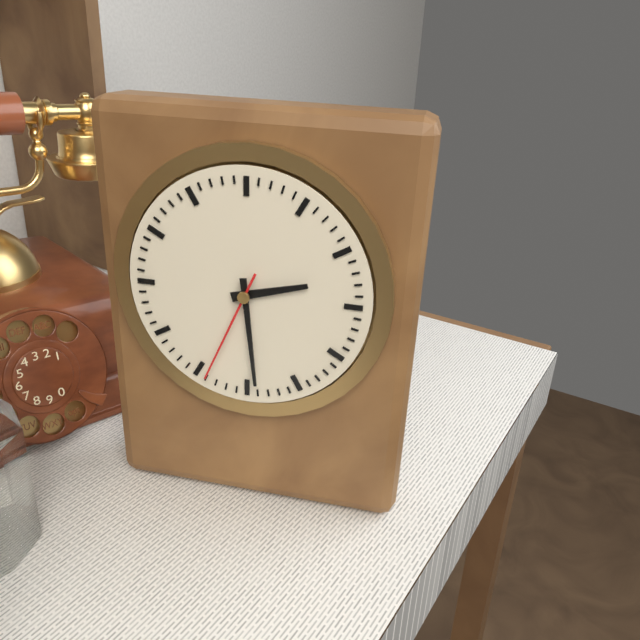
2:29:34
